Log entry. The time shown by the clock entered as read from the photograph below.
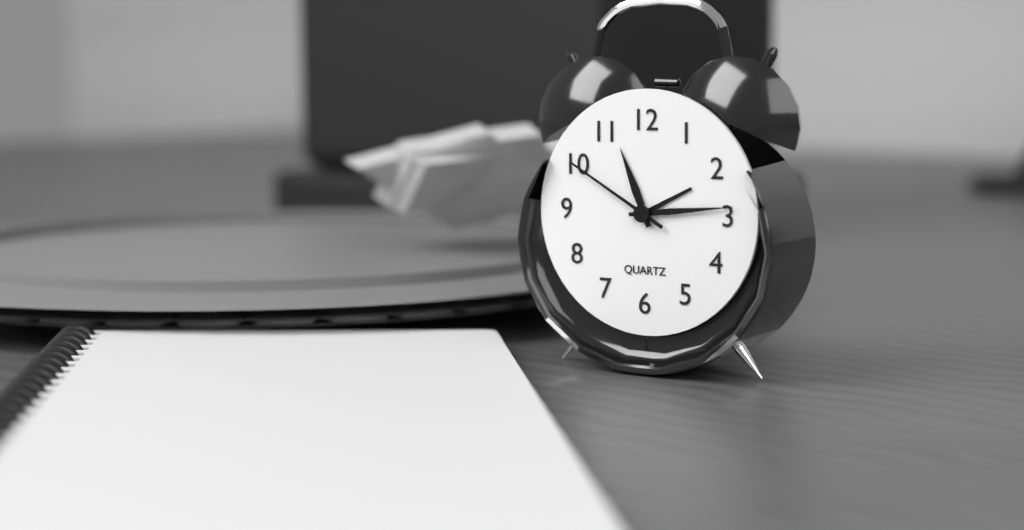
11:14:50
